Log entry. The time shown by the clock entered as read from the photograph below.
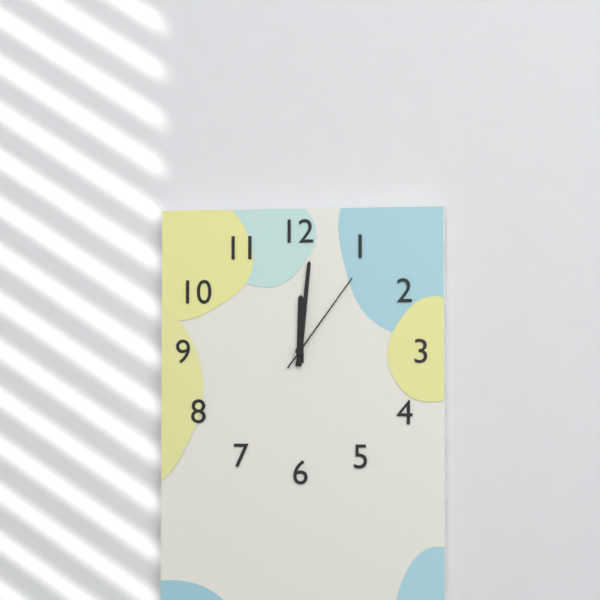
12:01:06
